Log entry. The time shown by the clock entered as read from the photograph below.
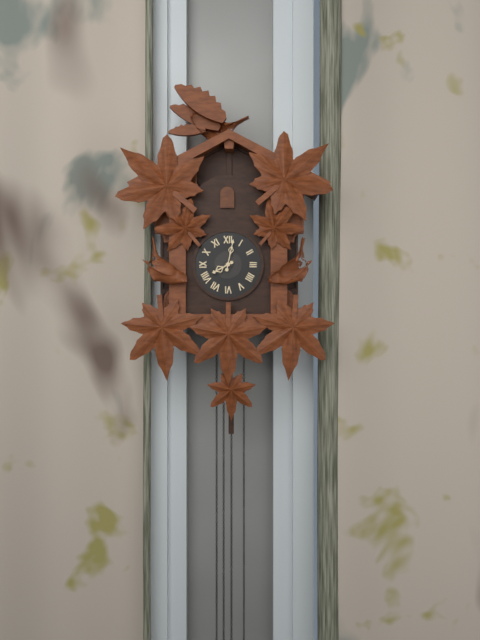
8:02
